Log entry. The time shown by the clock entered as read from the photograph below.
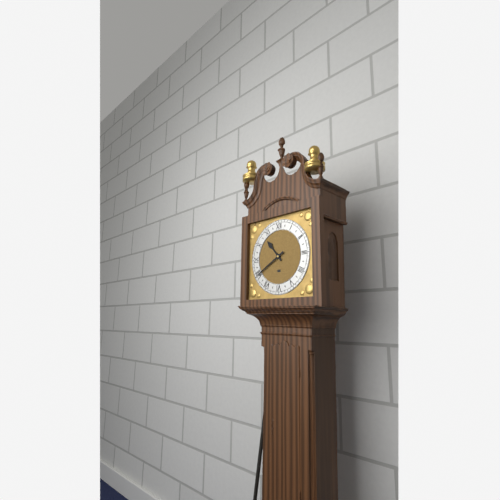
10:40
